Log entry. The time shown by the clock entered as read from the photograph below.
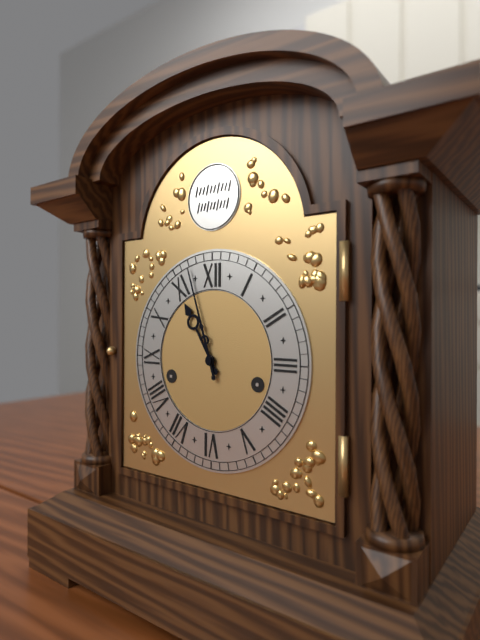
10:57
